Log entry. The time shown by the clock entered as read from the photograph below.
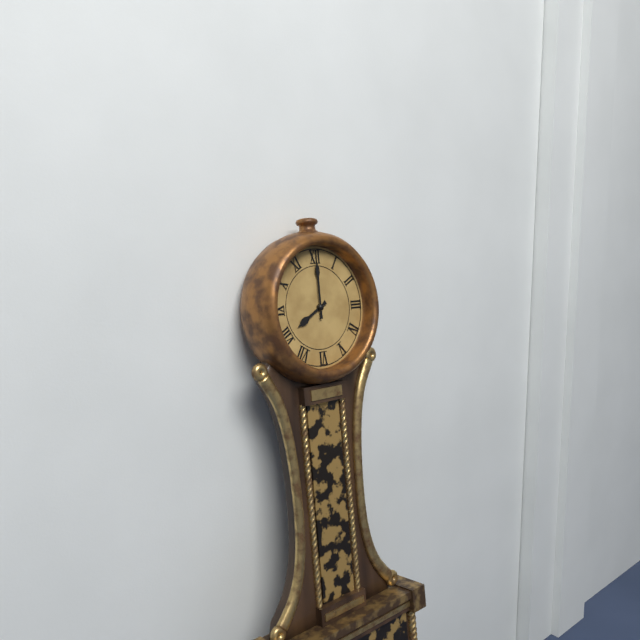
8:00
